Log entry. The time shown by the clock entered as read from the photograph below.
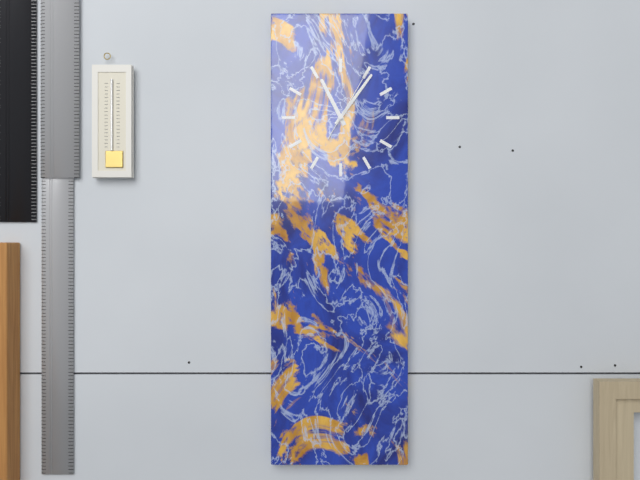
11:06:05
